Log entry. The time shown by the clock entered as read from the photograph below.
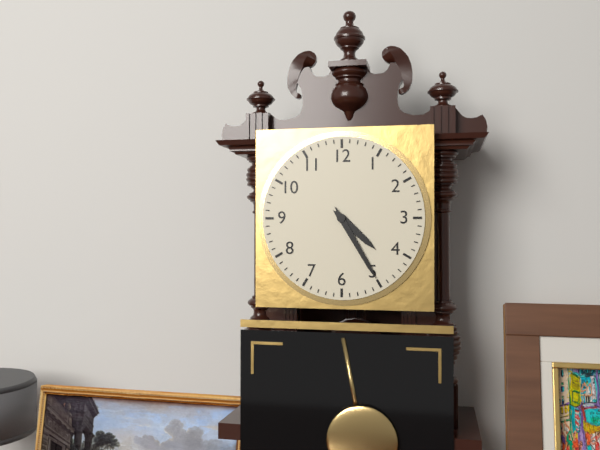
4:25
